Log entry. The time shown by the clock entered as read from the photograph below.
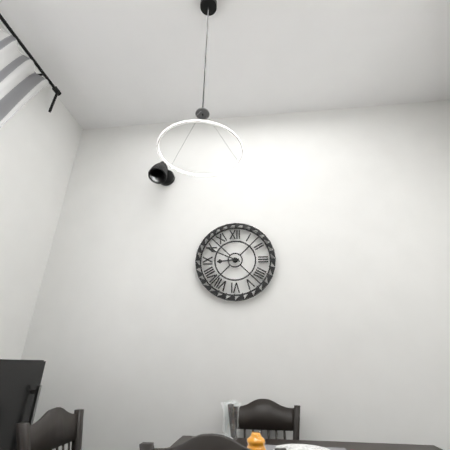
8:49
